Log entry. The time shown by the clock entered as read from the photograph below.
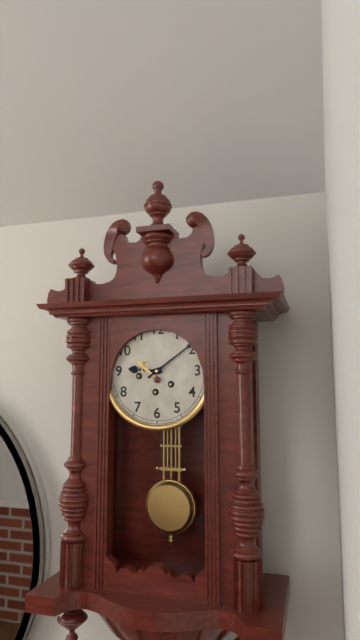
9:09
